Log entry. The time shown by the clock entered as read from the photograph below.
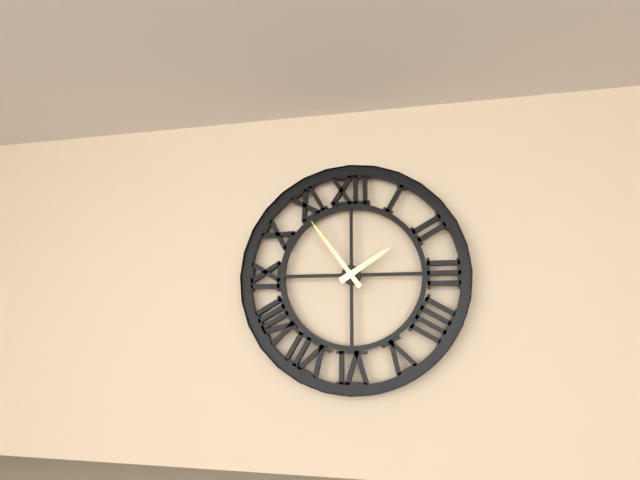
1:54
